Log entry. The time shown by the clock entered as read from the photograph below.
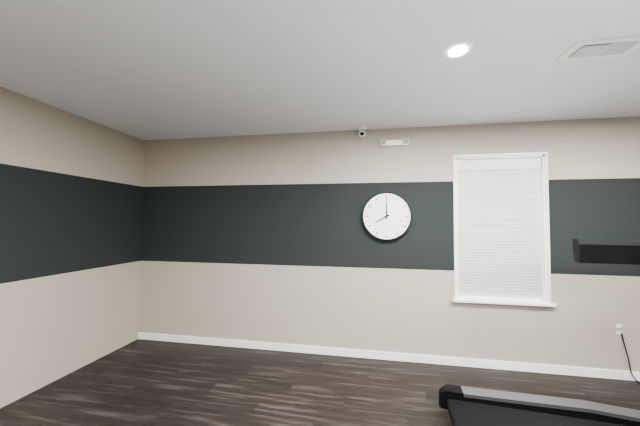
8:00
